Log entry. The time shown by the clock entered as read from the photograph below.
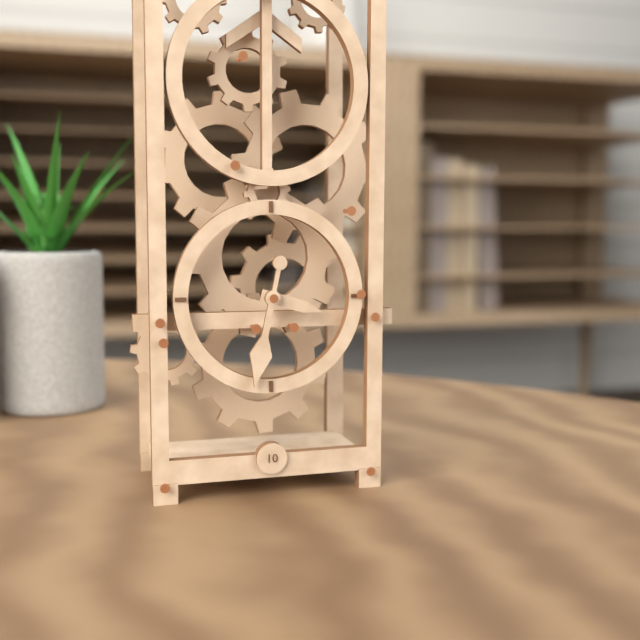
3:32
